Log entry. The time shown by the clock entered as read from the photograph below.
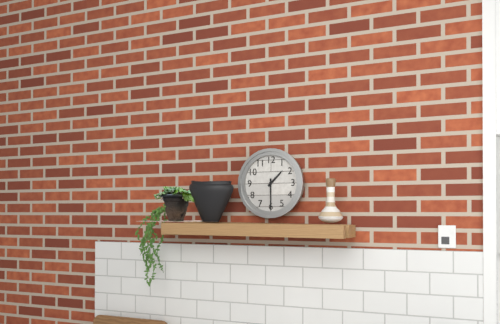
1:30
